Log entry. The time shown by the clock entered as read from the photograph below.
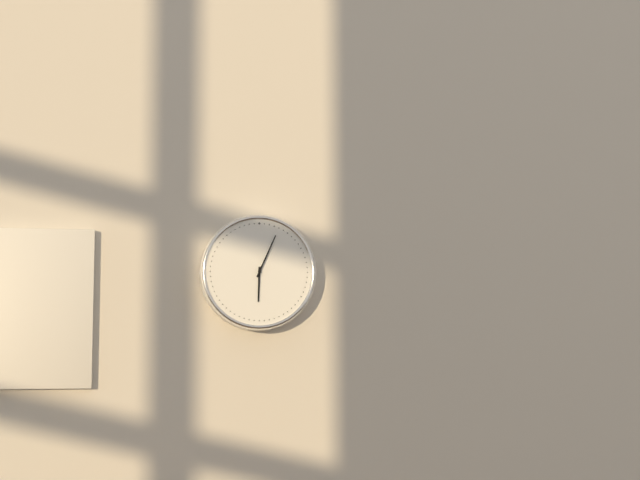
6:04
